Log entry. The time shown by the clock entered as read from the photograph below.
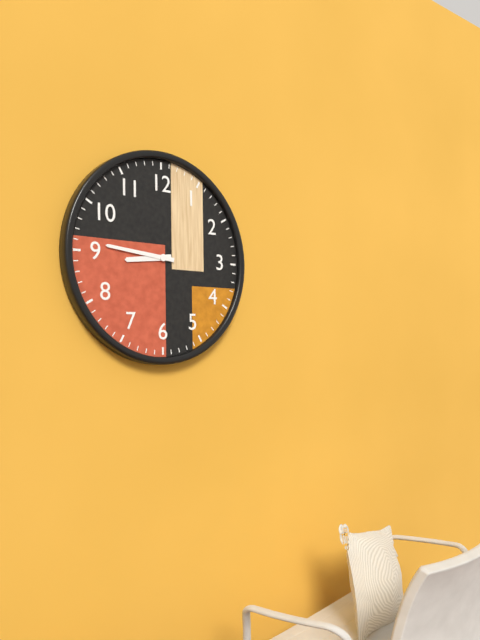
8:46
